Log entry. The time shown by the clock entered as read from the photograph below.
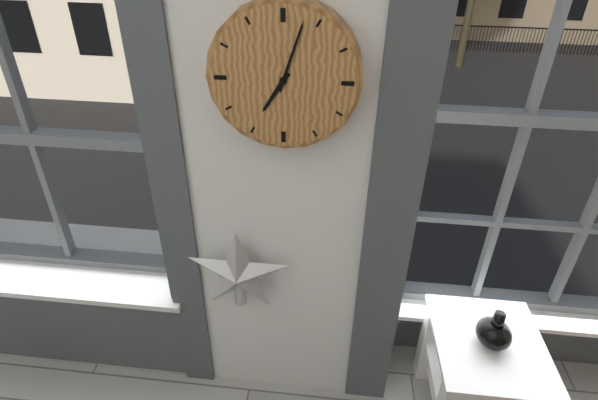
7:03
